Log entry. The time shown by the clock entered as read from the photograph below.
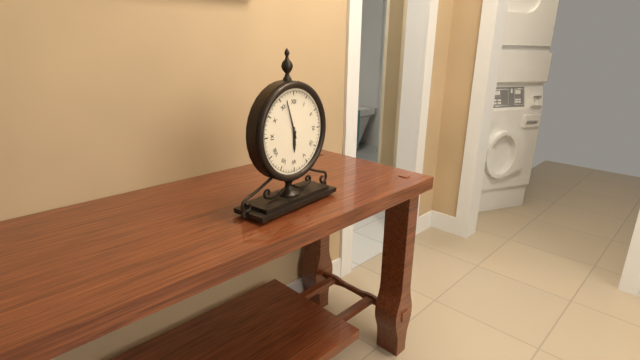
5:57
